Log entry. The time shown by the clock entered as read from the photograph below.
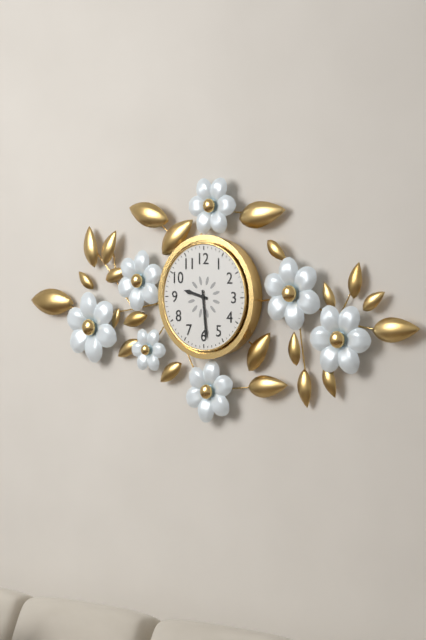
9:29
